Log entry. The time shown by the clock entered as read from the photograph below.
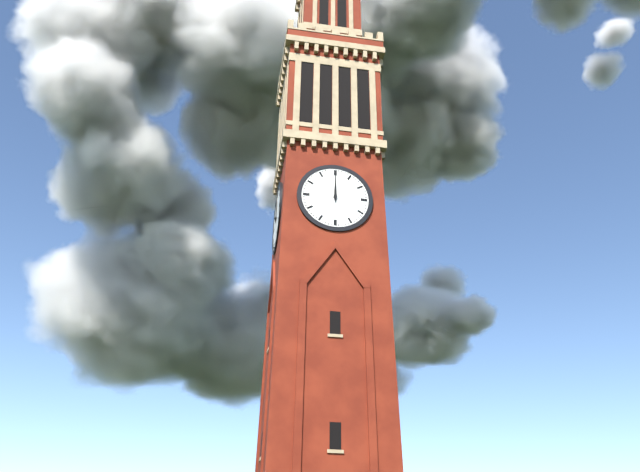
12:00
